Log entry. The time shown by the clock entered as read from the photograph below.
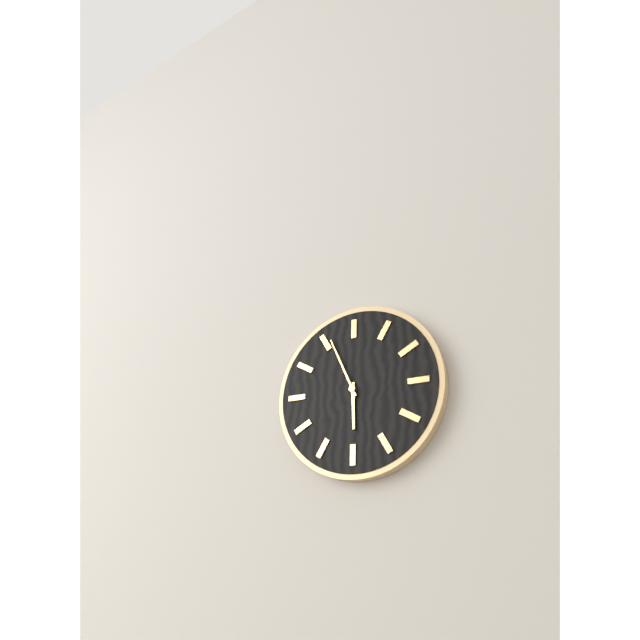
5:56
